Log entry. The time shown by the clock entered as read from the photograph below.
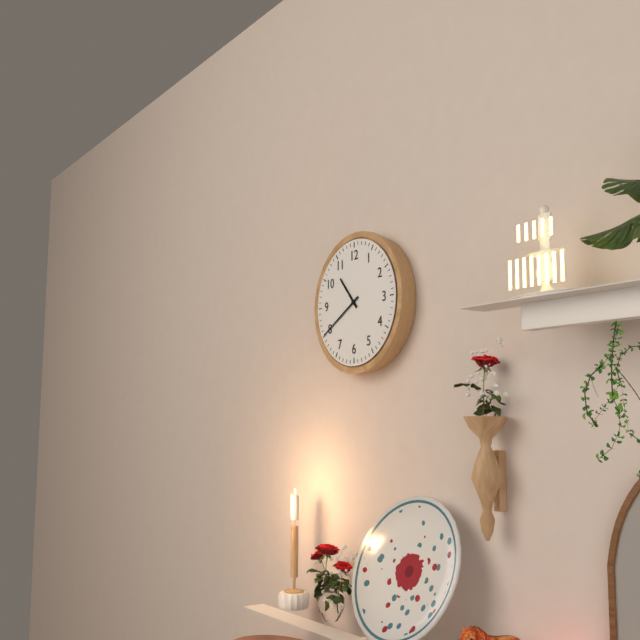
10:40
